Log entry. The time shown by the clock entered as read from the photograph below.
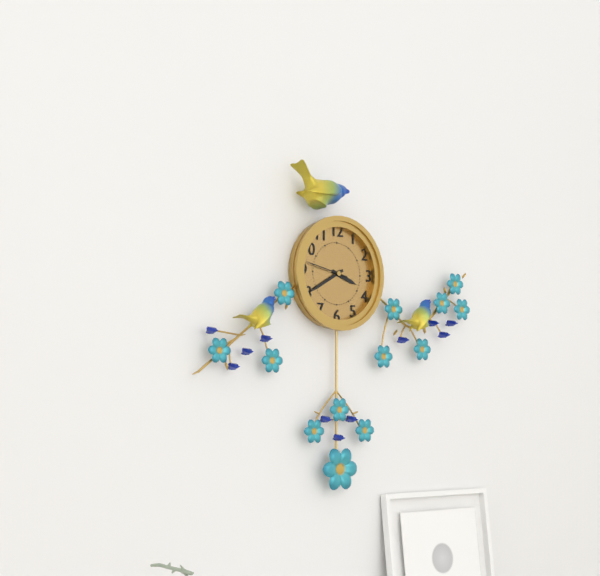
3:40
